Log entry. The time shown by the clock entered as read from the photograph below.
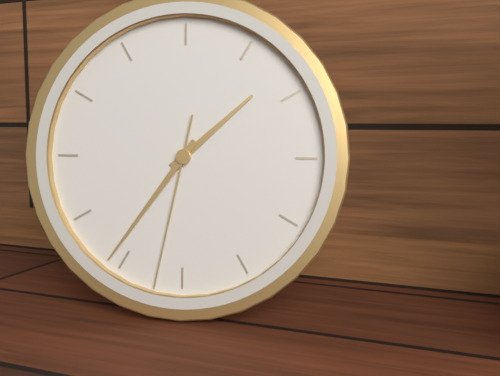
1:36:32
